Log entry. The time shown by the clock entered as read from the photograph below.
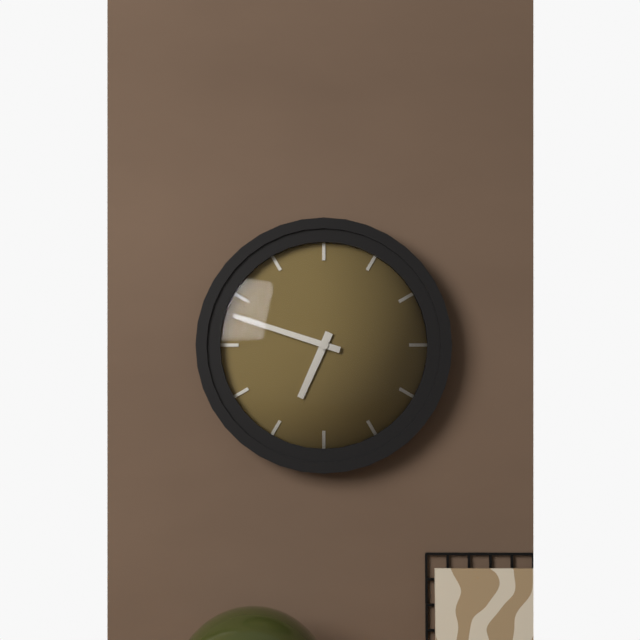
6:48
